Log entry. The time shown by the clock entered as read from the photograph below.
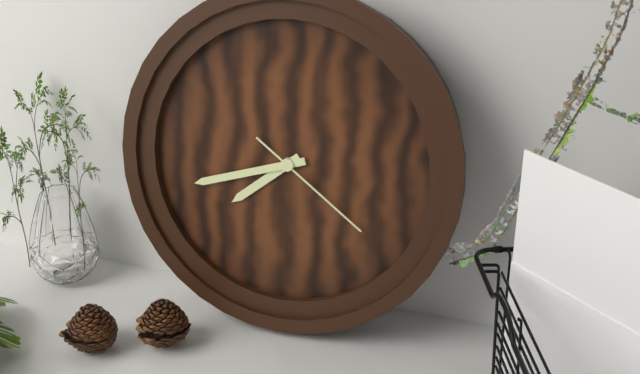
7:42:21
